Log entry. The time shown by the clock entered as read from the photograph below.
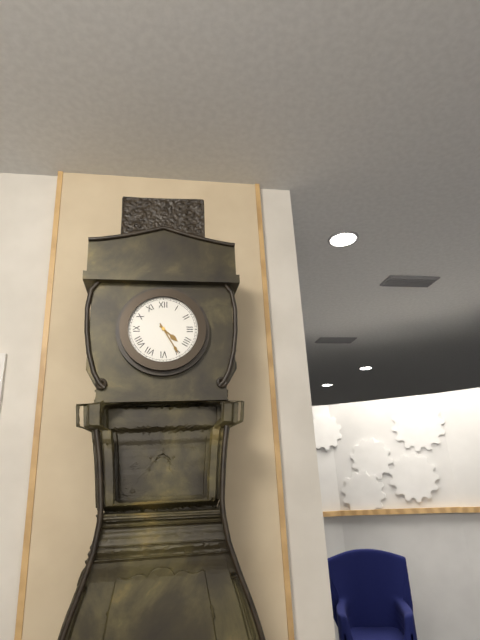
4:25
